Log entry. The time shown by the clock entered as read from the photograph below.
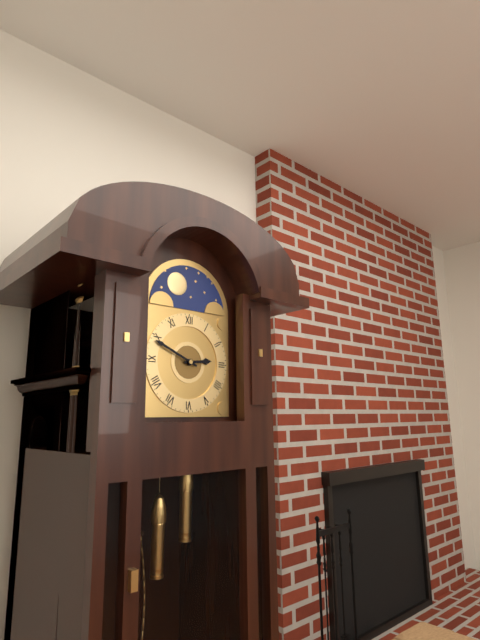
2:49
